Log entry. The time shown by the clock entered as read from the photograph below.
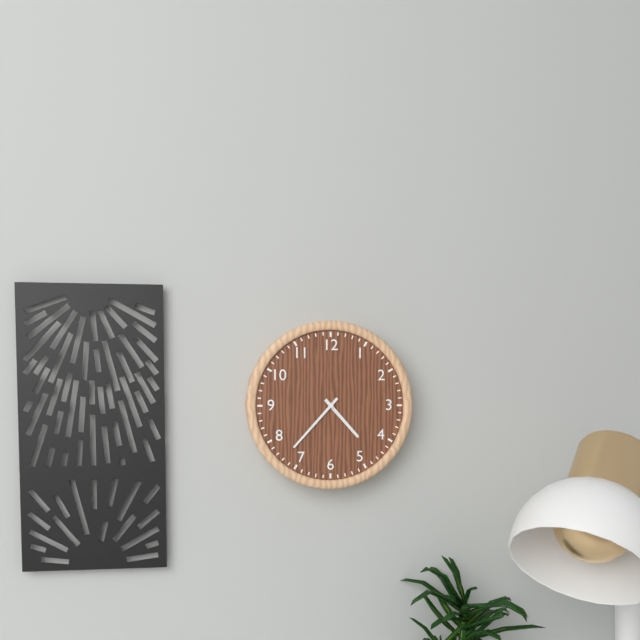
4:37
